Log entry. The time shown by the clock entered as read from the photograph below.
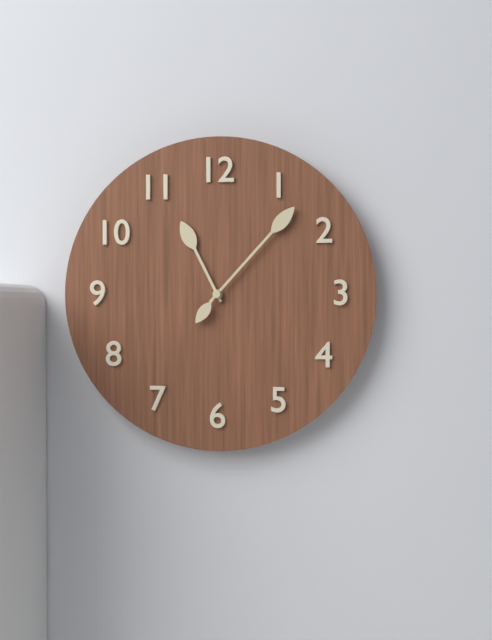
11:07
